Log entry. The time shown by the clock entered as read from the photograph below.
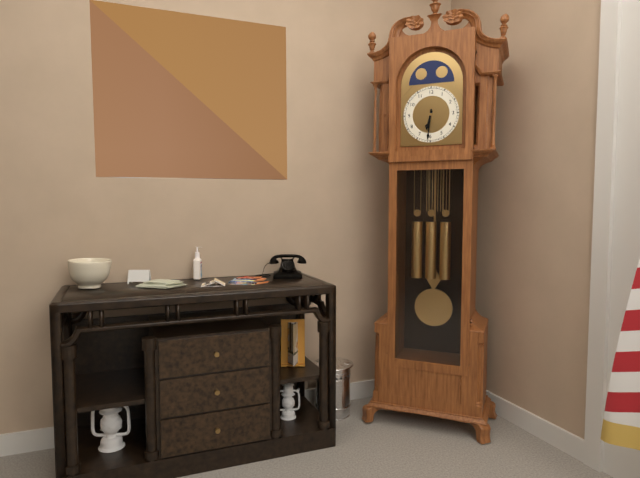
6:31
